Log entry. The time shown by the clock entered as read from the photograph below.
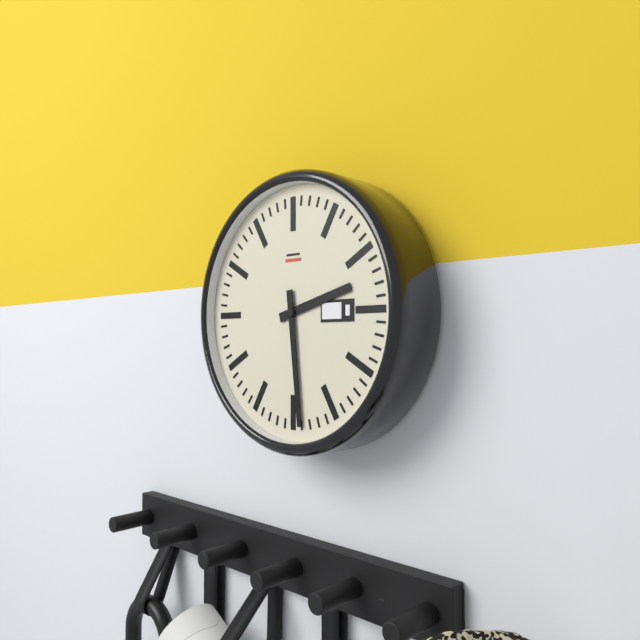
2:29
